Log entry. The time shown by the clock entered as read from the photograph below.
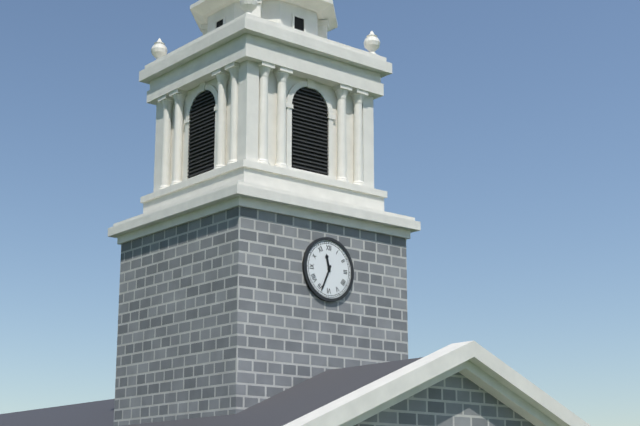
11:34
